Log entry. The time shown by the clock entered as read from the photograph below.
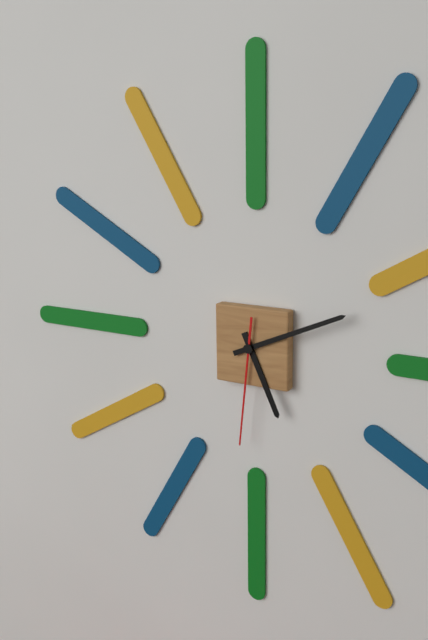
5:11:31
